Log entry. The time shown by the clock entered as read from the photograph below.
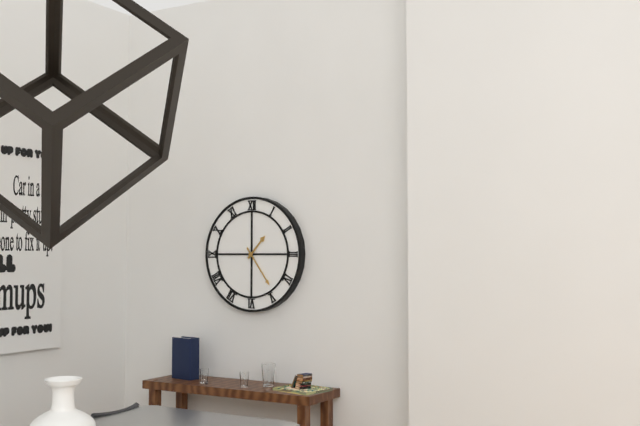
1:24
